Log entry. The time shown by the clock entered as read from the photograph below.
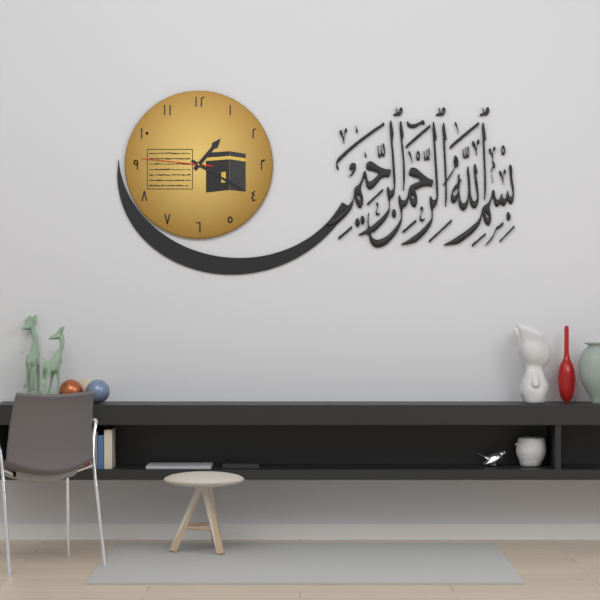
1:20:46
